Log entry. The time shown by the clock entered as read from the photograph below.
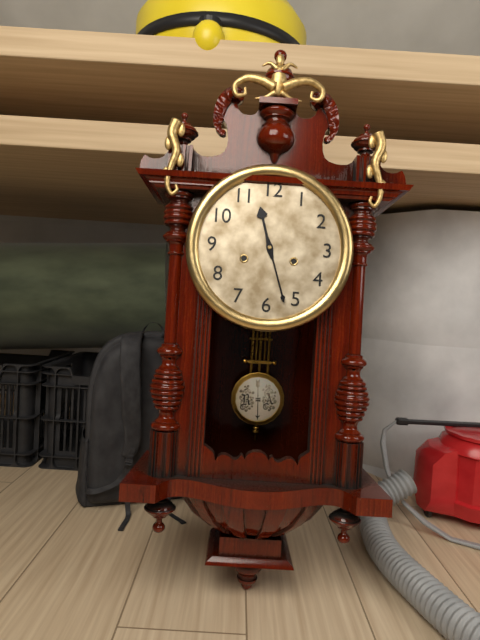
11:27
